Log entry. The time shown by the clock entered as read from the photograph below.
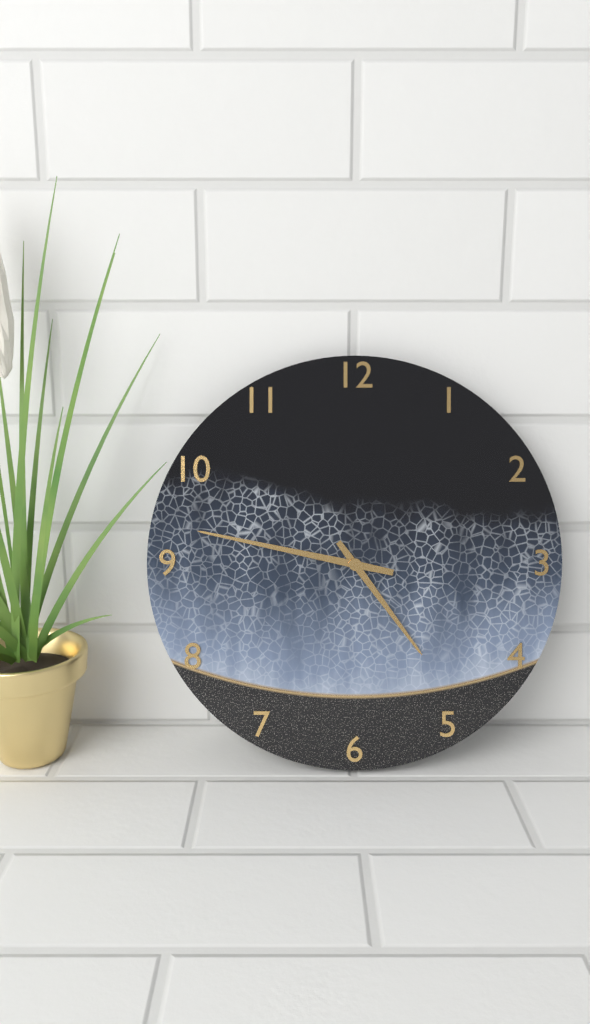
4:47
